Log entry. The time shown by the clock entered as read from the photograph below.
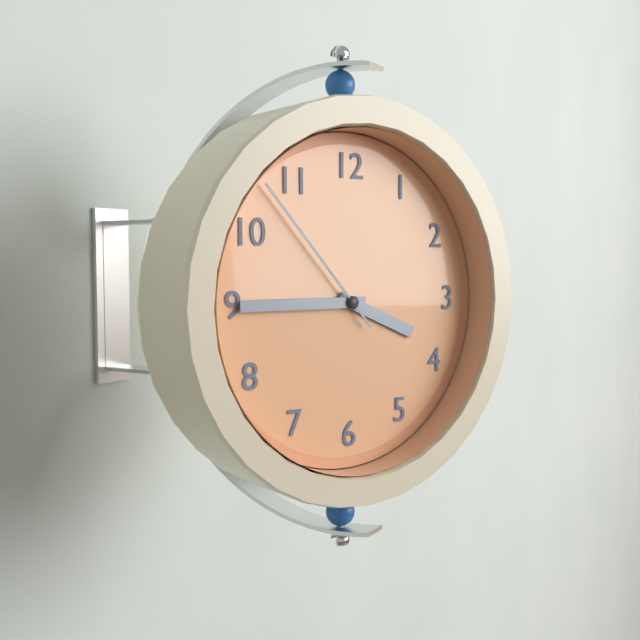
3:45:53
